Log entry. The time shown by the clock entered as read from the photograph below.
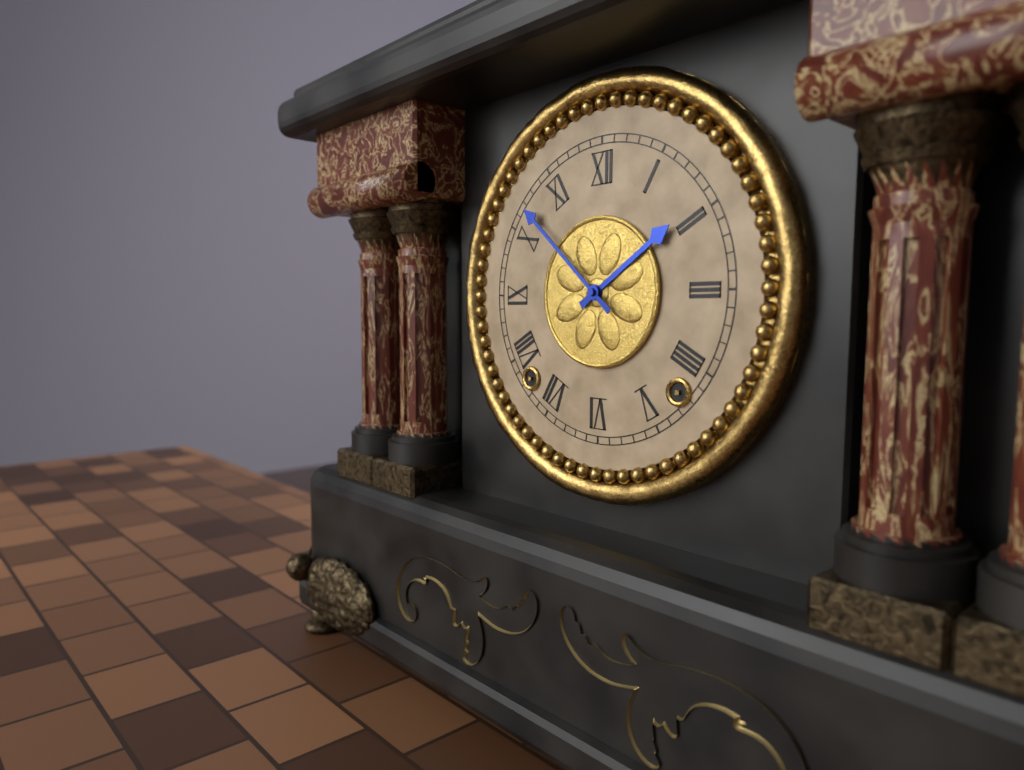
1:52
